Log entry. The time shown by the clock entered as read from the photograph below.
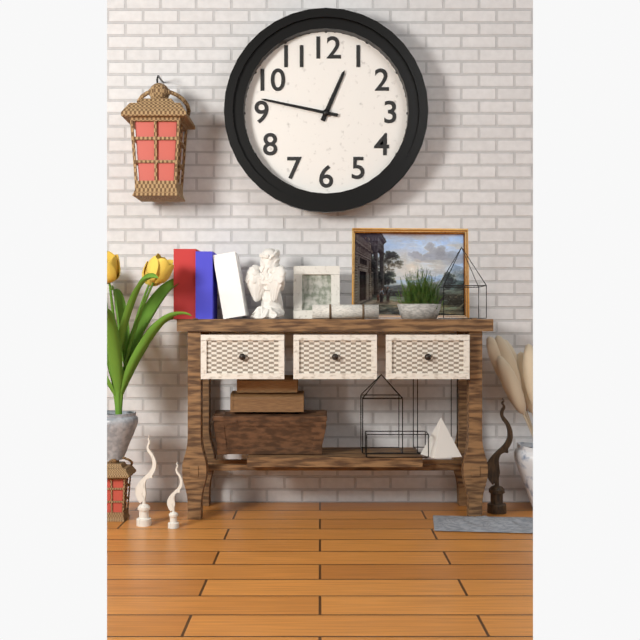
12:47
